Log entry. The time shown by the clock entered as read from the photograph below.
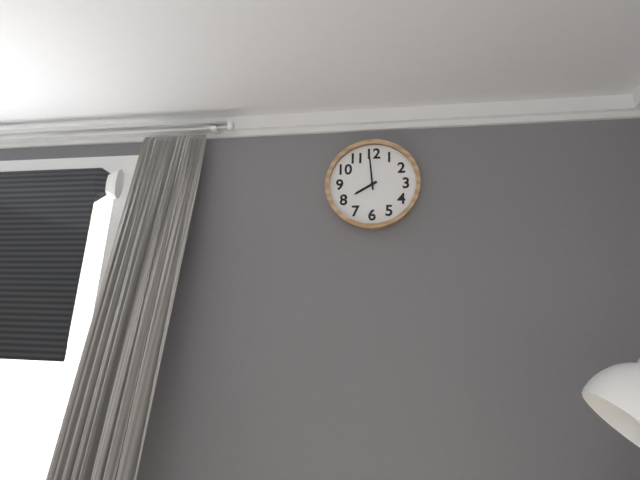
7:59
